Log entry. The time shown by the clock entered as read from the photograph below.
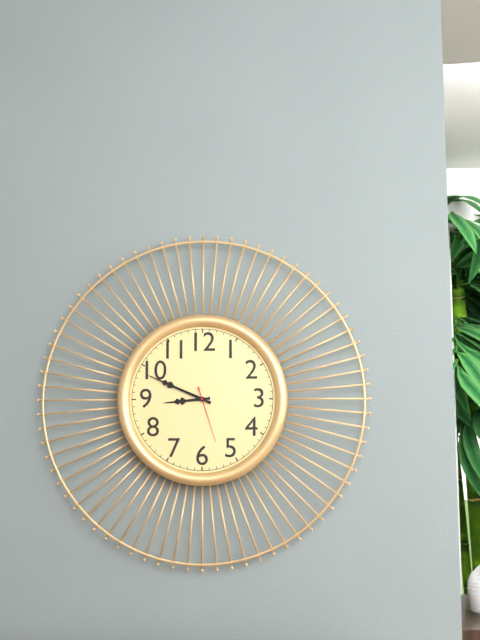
8:49:27
